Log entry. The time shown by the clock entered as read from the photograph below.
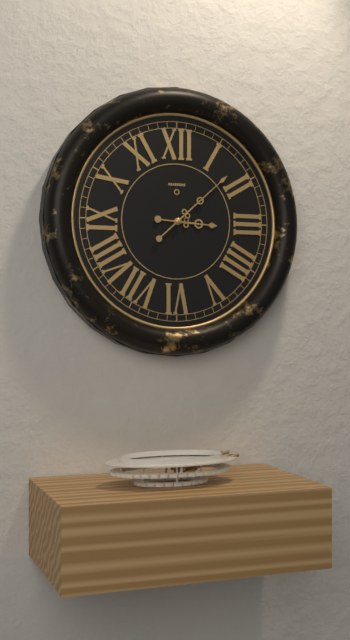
3:08
